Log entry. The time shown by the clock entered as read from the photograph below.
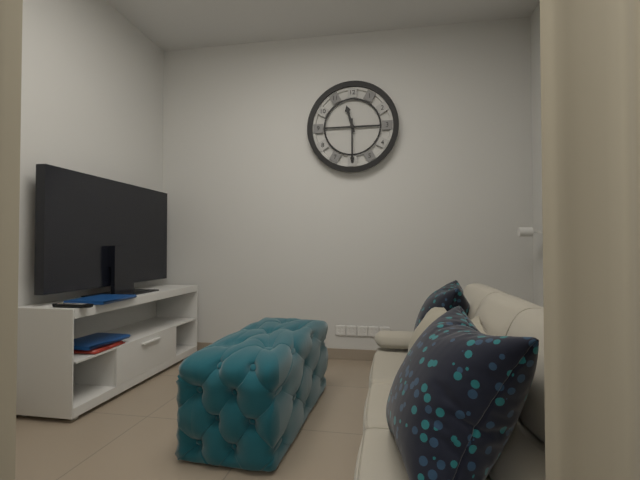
11:30
